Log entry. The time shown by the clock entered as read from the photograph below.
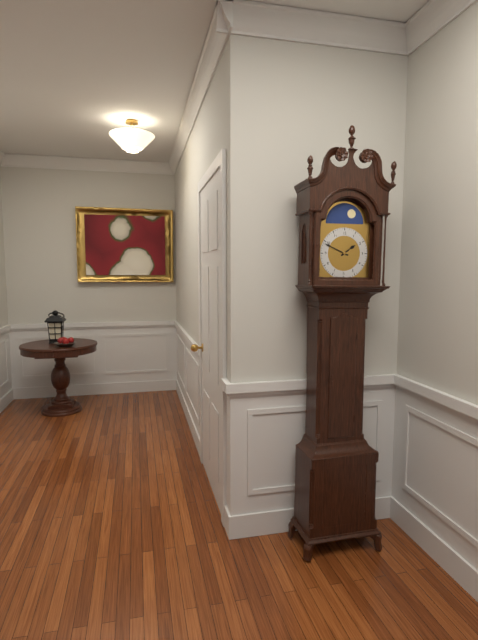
1:49
